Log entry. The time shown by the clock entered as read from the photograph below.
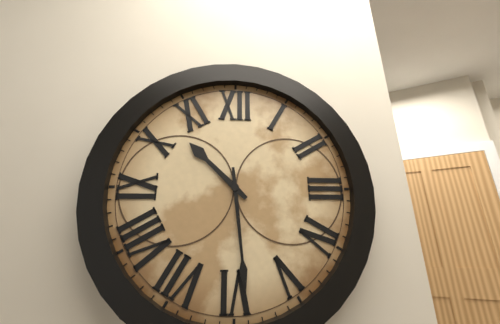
10:29
